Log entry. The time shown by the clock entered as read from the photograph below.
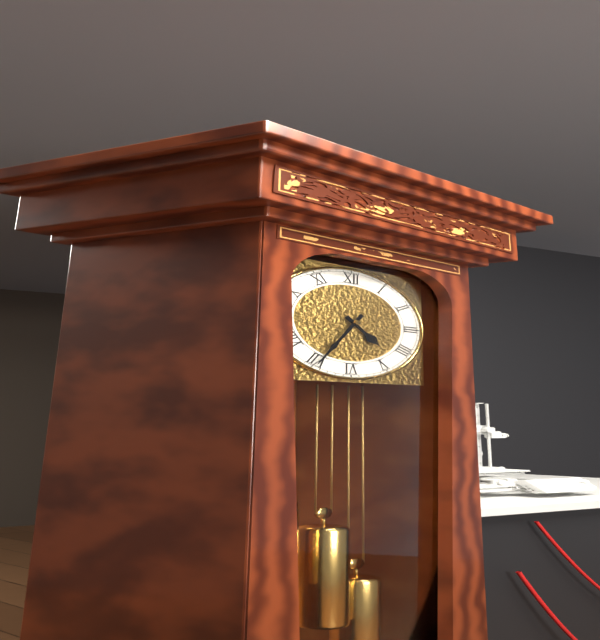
4:35
